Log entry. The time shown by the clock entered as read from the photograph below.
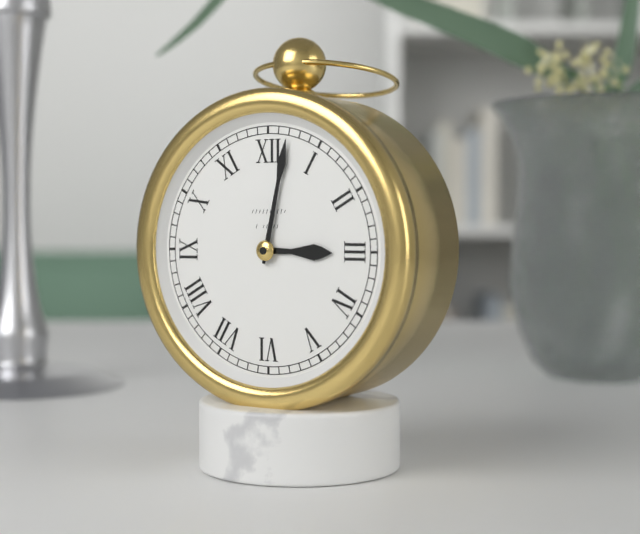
3:02
